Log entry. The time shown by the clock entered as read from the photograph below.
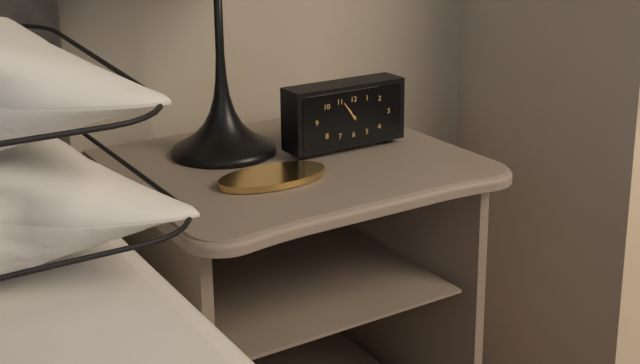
10:54
